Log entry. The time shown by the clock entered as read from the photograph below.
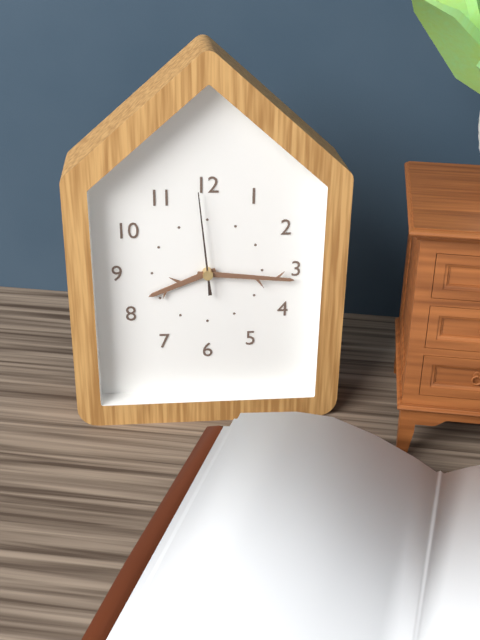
8:16:59
